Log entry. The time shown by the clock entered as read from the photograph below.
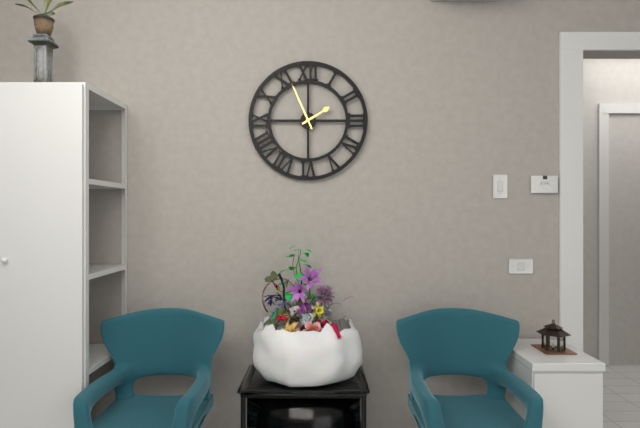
1:56
